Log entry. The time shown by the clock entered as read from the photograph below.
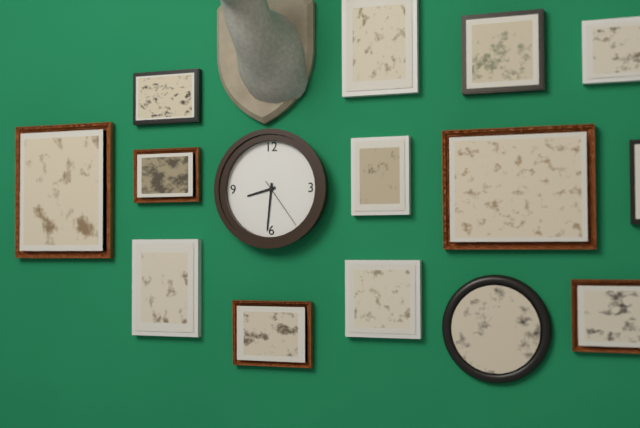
8:31:24
